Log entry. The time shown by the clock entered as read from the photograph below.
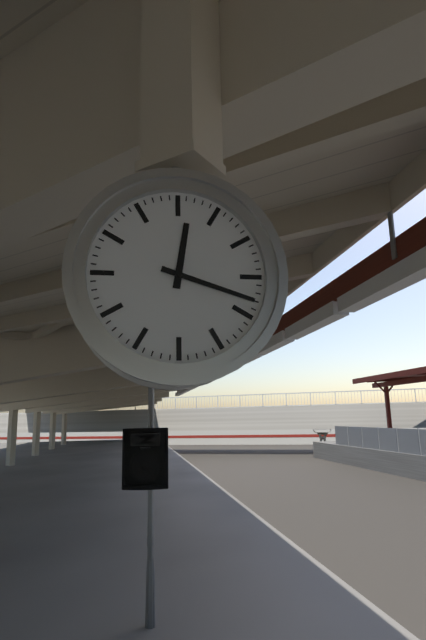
12:18
